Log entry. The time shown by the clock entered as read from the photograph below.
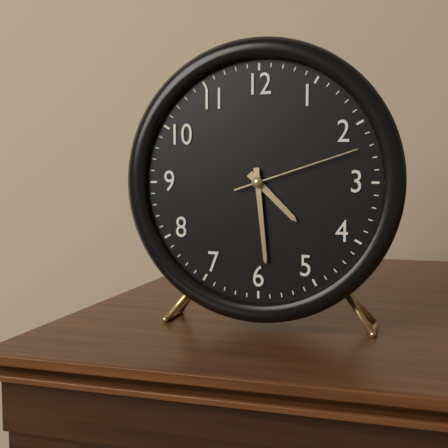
4:29:12
